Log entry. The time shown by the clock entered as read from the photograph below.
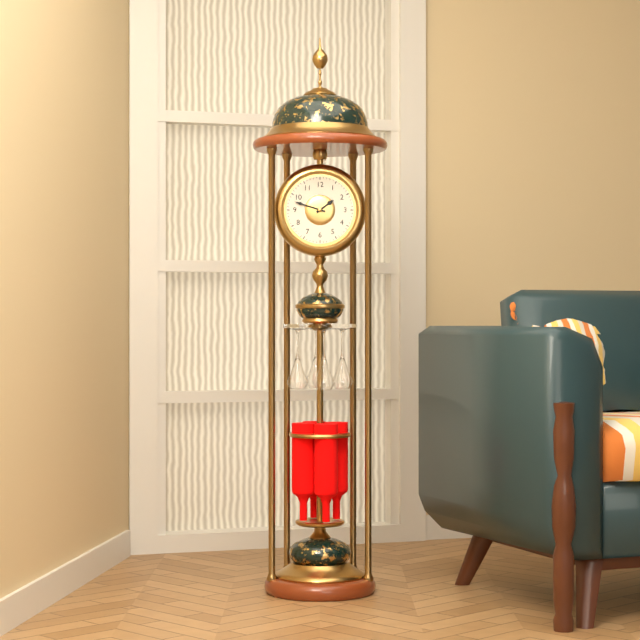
1:48
